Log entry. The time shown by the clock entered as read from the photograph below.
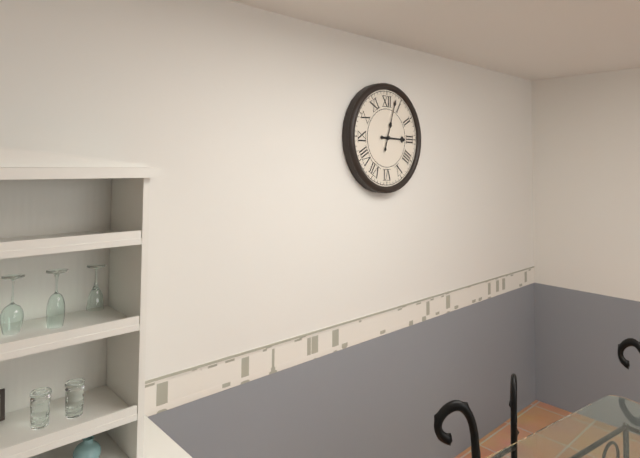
3:03
